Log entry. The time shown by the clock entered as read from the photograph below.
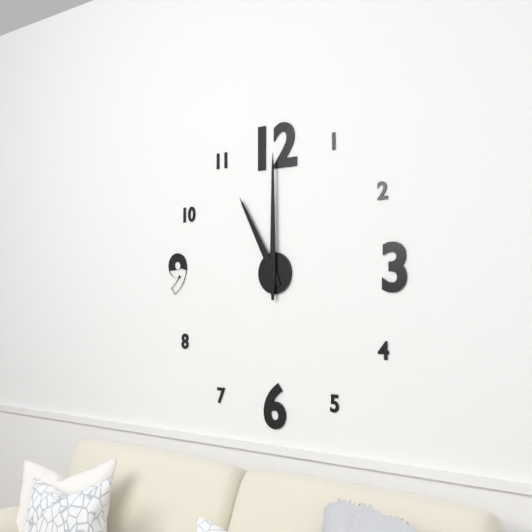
11:00
